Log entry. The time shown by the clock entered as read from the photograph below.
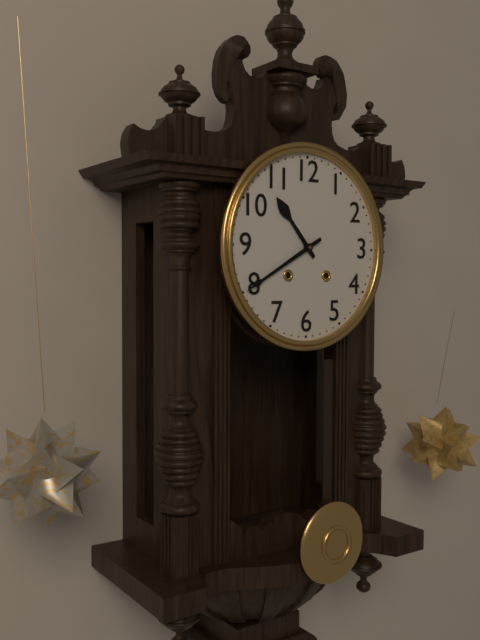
10:40
